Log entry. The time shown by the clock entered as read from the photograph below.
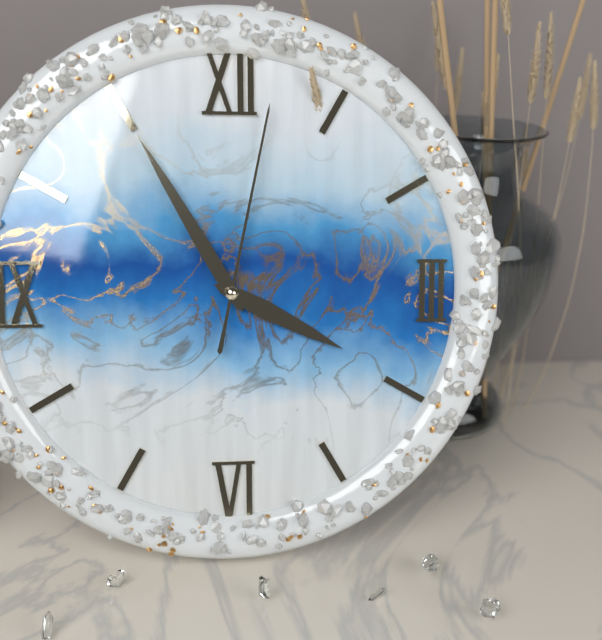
3:55:02
